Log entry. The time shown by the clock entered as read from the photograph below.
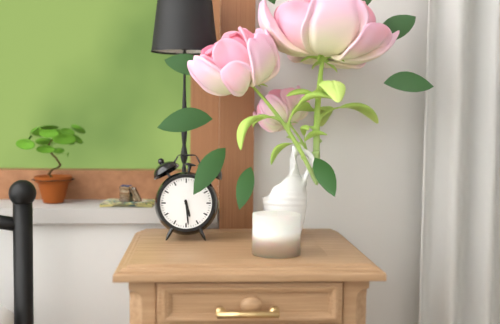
5:29
